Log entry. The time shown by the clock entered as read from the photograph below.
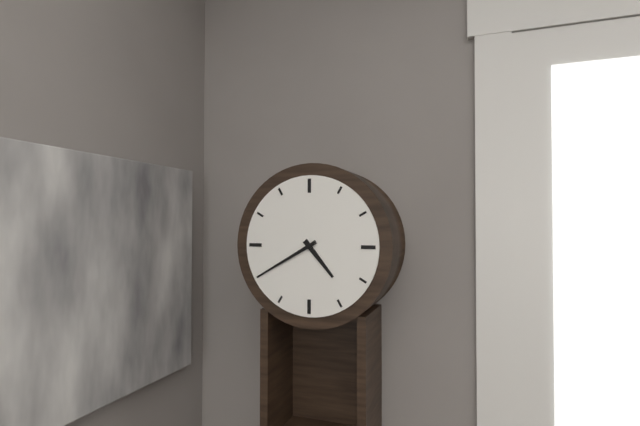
4:40
